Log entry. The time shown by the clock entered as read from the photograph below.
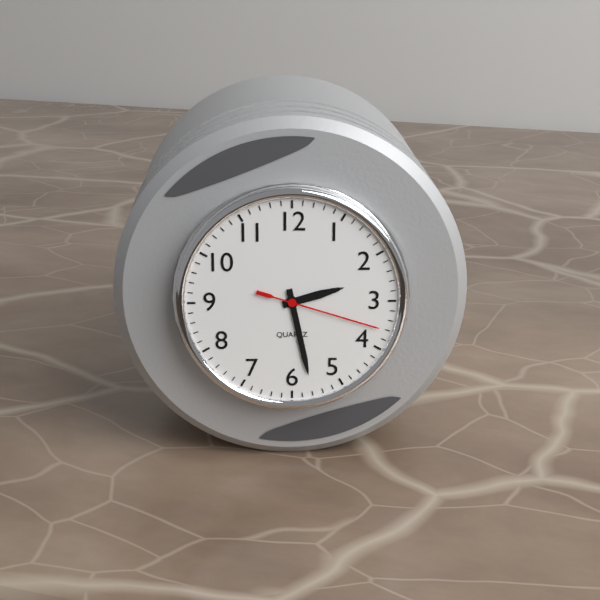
2:28:18
